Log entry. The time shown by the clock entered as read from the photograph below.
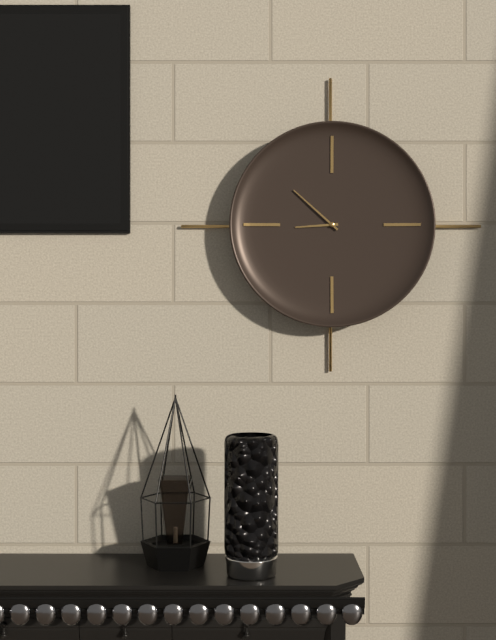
8:52
